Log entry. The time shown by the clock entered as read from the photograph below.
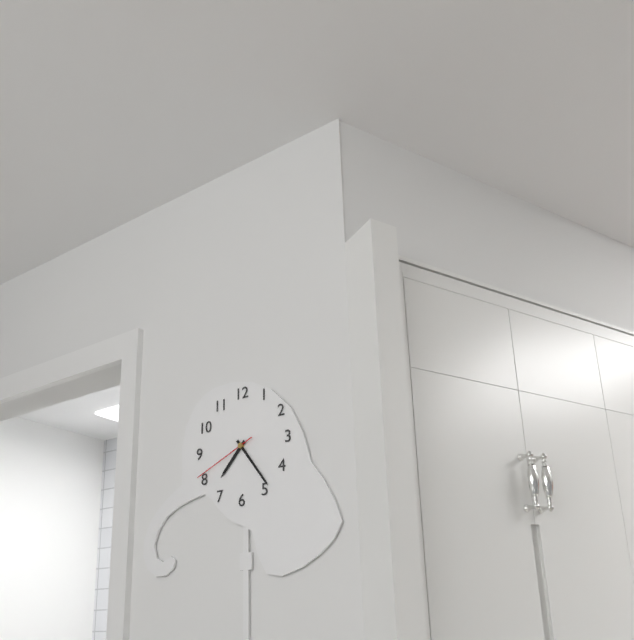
7:24:41
